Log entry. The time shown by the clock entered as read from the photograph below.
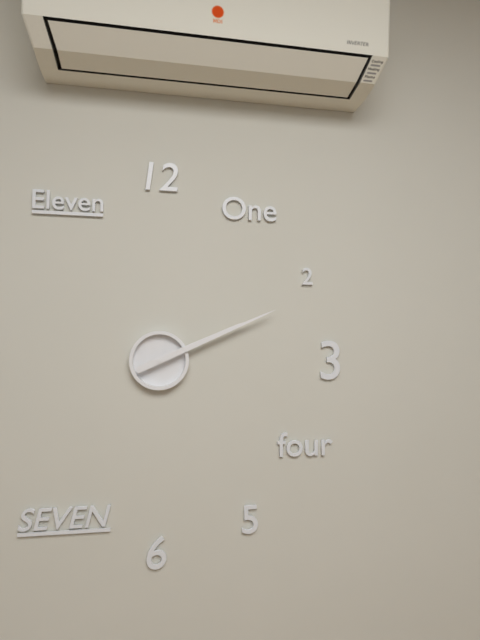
2:11
